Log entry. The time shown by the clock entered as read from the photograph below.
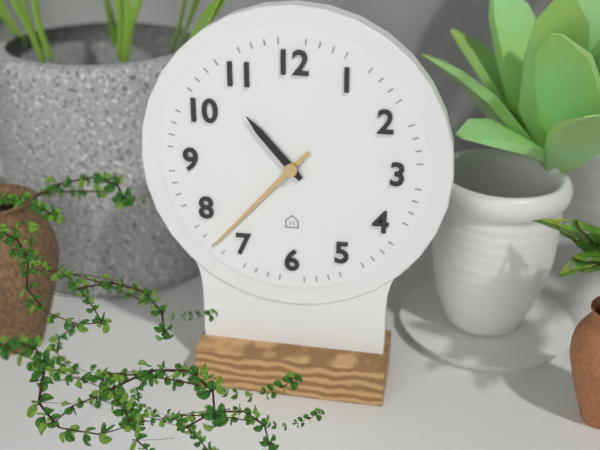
10:37
